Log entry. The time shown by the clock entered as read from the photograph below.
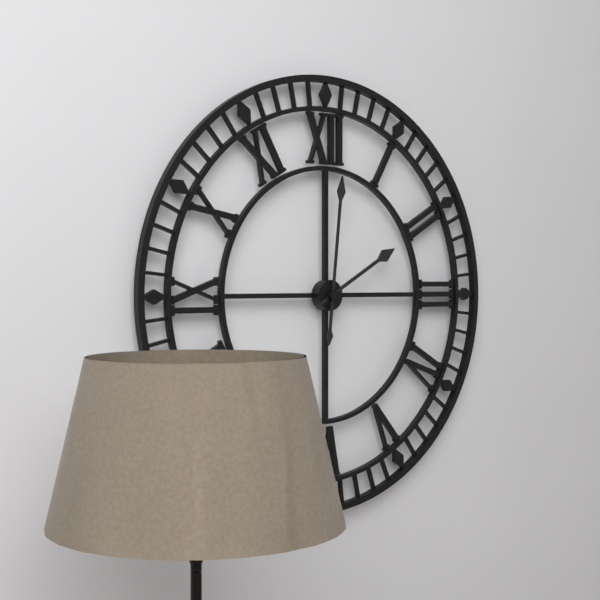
2:01
